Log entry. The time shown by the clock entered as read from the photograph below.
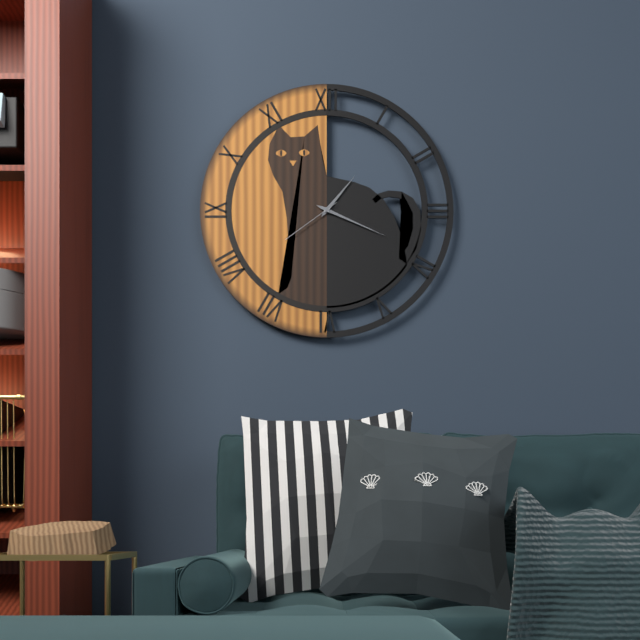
1:19:39
